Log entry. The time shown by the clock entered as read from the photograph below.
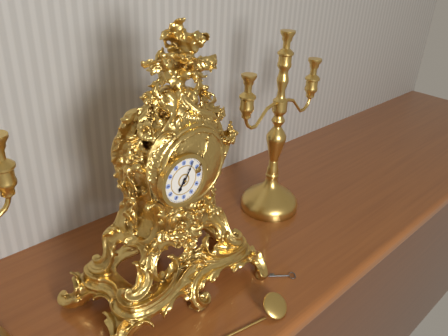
7:05
